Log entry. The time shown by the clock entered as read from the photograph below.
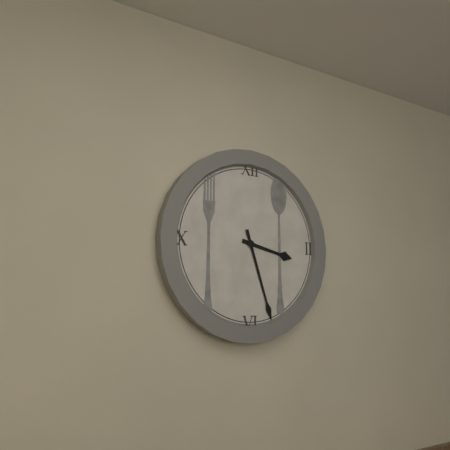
3:27
